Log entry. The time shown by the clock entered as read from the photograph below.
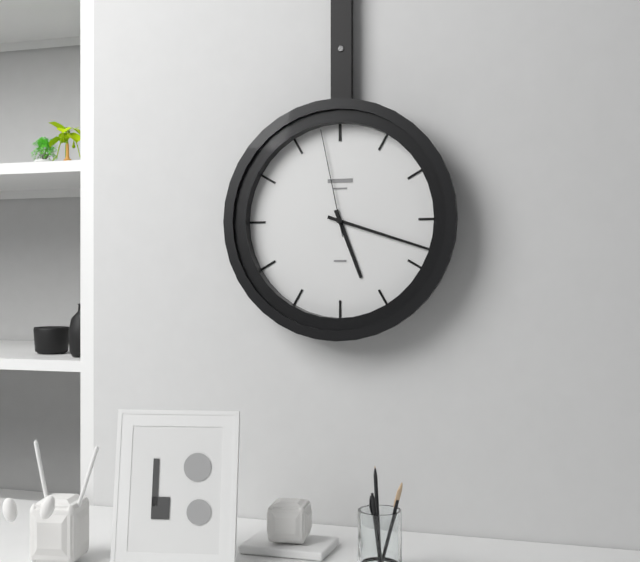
5:18:58
